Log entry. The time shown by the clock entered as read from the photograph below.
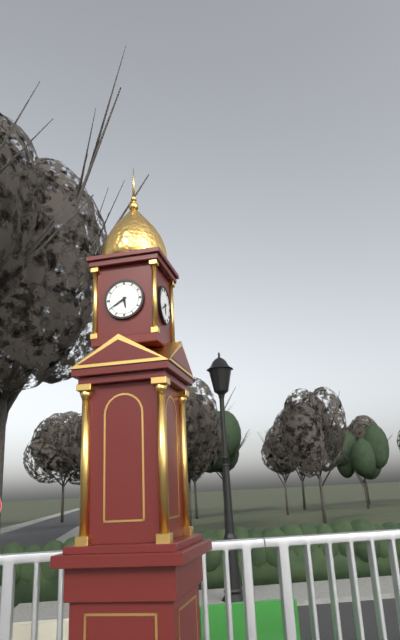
5:40
